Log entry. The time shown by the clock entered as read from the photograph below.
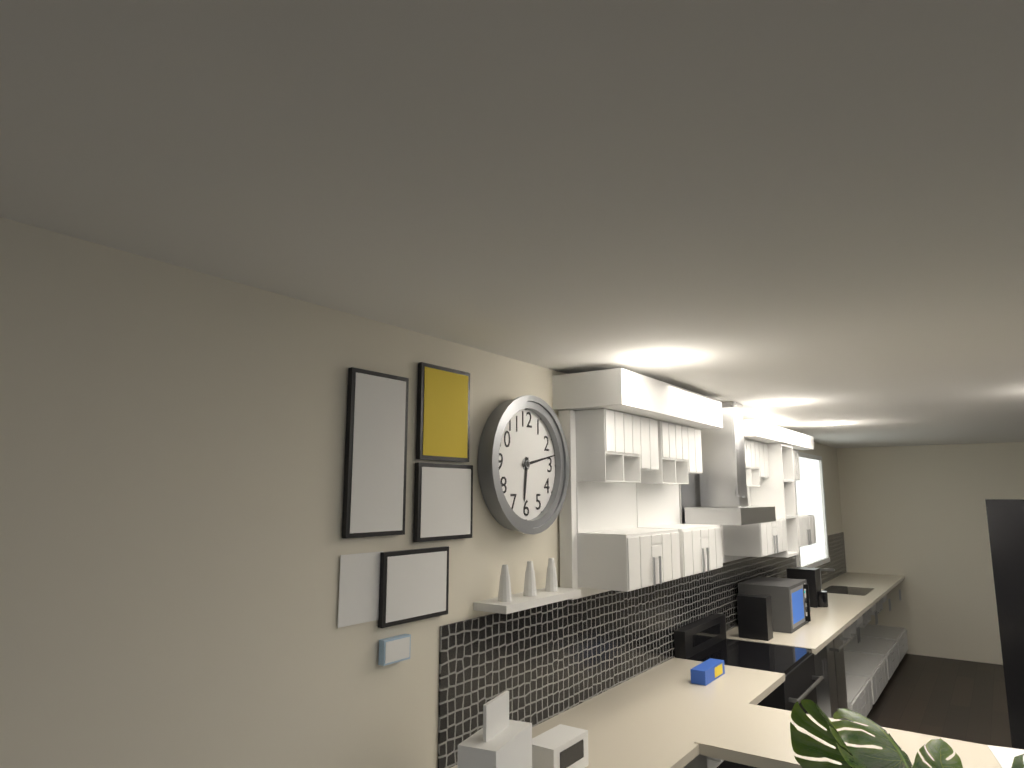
6:13
